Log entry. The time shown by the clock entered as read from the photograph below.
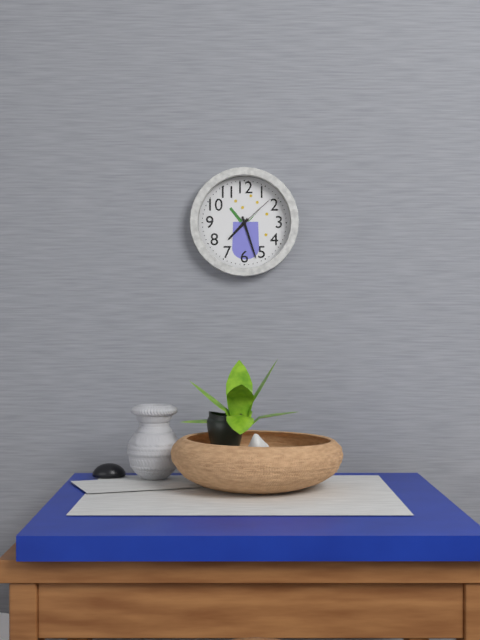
7:27
